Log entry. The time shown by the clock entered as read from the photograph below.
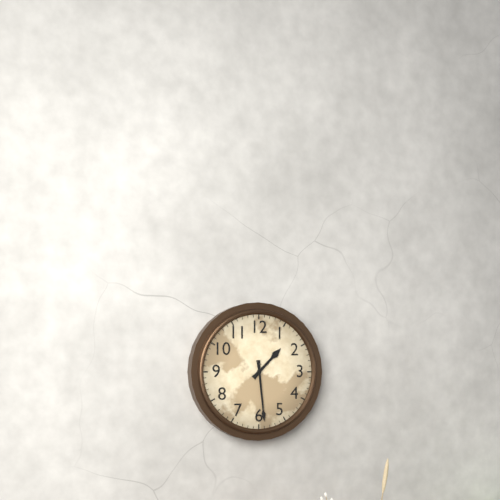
1:29
